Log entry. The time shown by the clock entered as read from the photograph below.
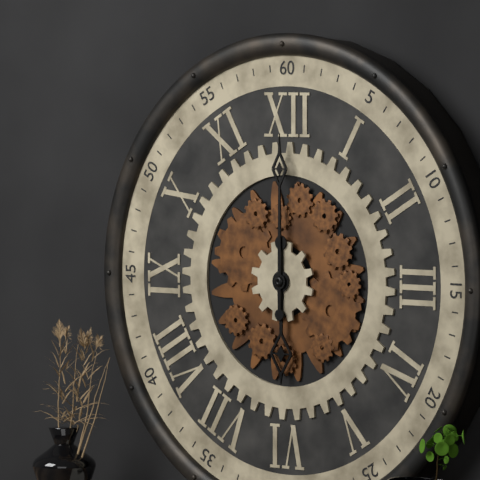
6:00
